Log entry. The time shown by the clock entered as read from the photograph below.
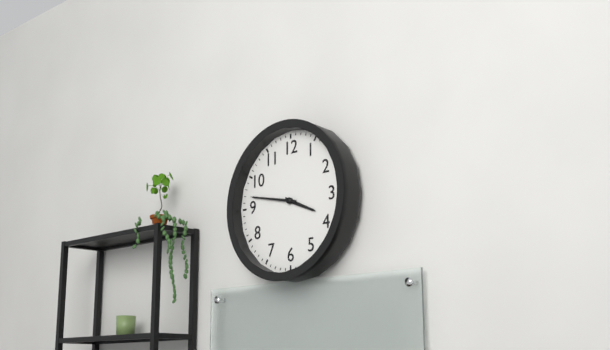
3:47
